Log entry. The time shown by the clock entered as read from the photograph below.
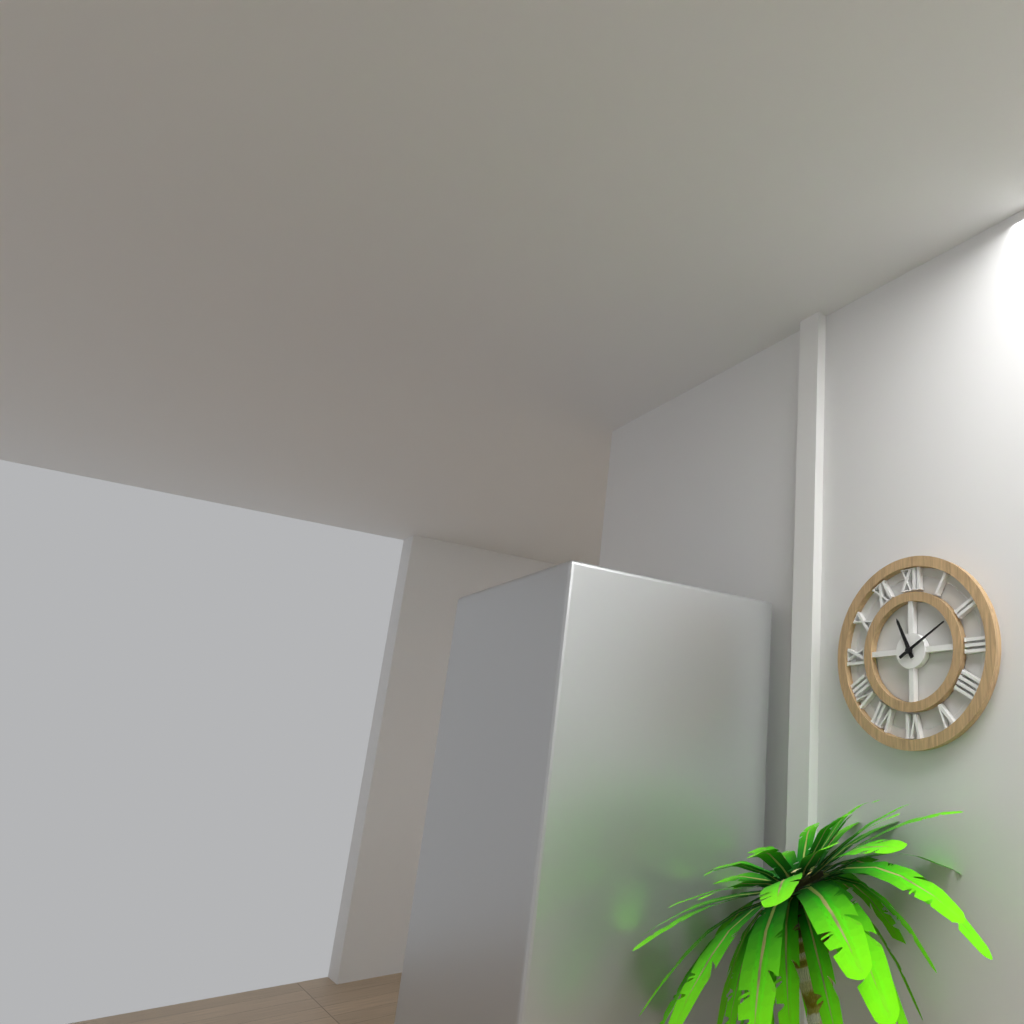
11:10
